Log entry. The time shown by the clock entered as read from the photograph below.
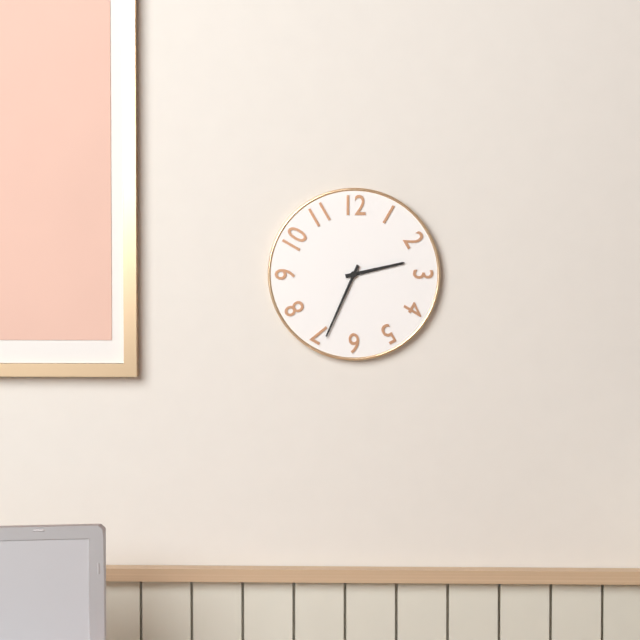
2:34
